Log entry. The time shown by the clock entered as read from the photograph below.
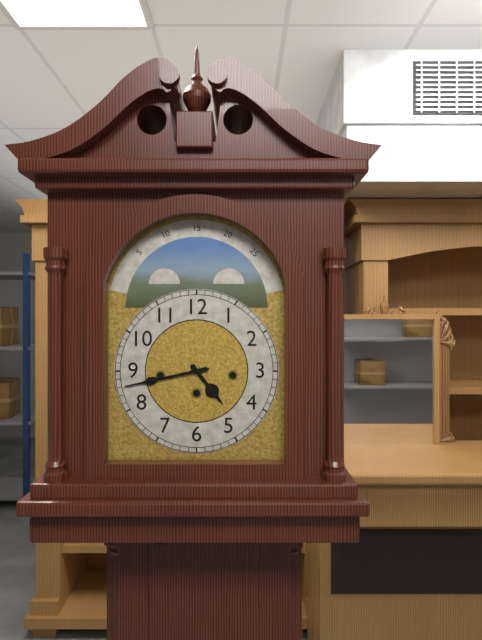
4:43
